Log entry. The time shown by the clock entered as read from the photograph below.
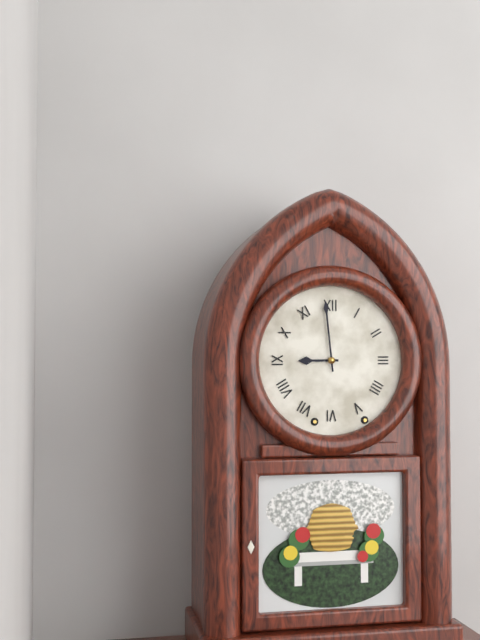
8:59
